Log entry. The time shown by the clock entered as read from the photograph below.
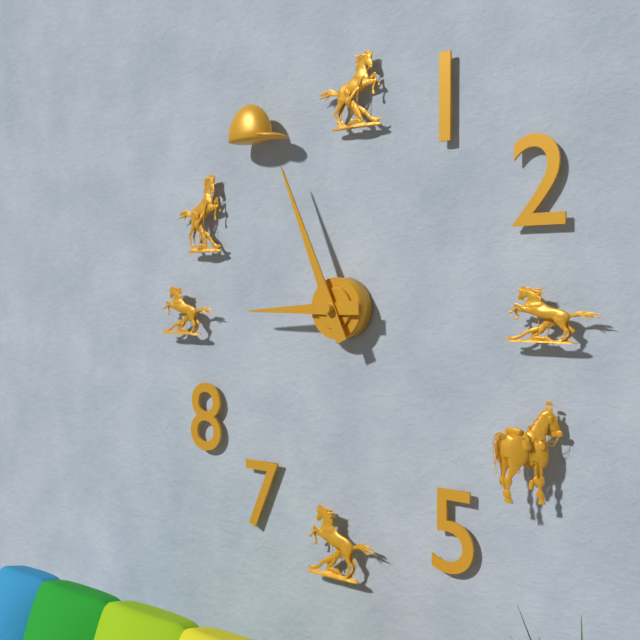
8:56
